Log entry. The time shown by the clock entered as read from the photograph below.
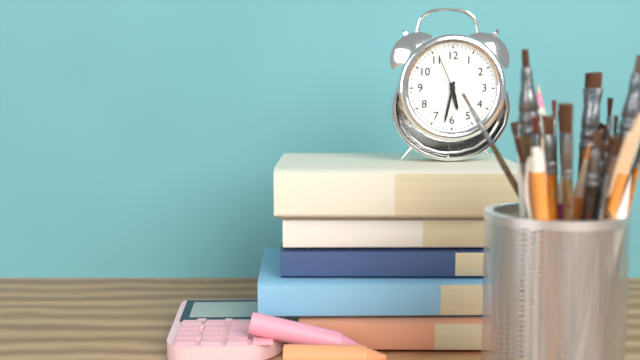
5:32
